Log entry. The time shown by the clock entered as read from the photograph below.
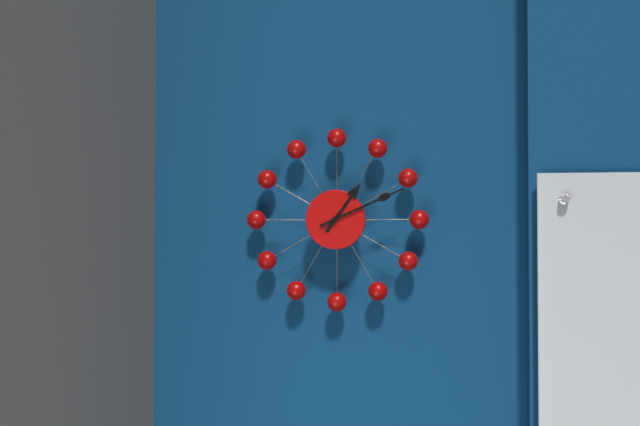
1:11
